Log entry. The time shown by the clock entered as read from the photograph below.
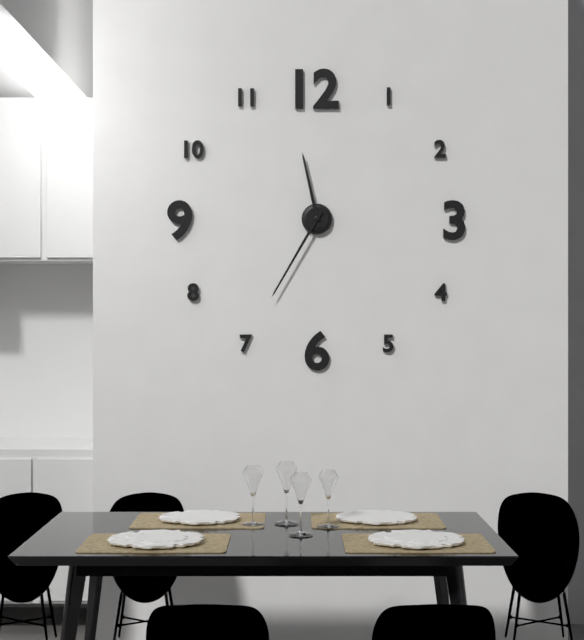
11:35
